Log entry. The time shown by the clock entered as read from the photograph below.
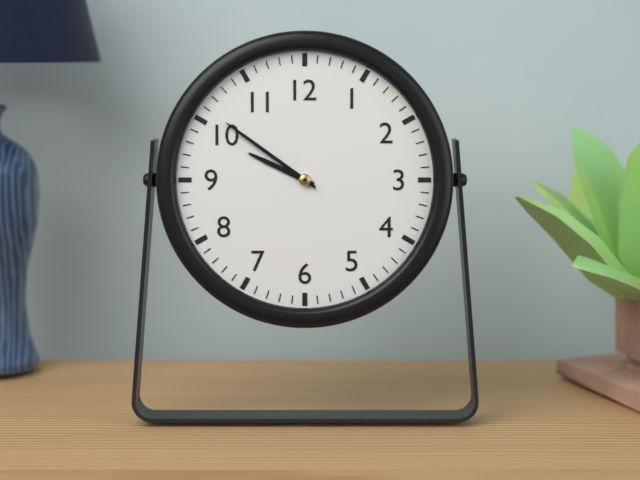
9:51
